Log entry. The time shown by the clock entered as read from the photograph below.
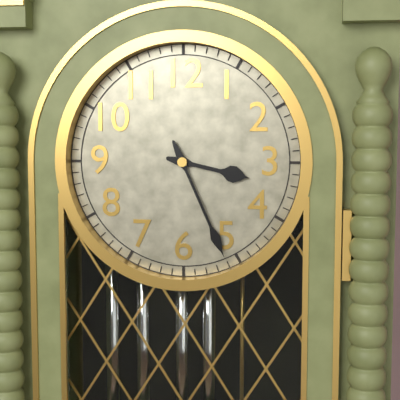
3:26
